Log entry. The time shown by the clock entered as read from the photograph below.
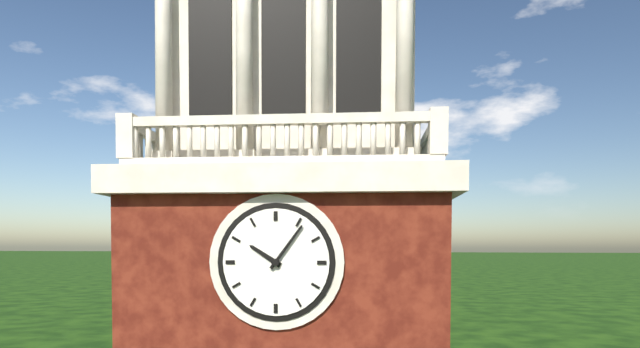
10:06
